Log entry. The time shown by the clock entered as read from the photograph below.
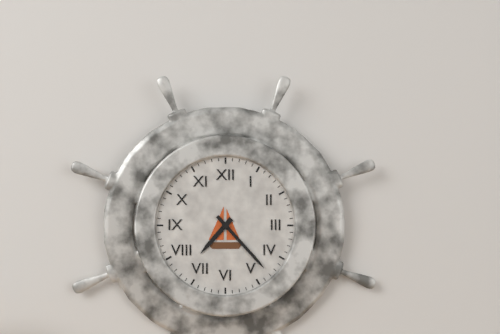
7:23
